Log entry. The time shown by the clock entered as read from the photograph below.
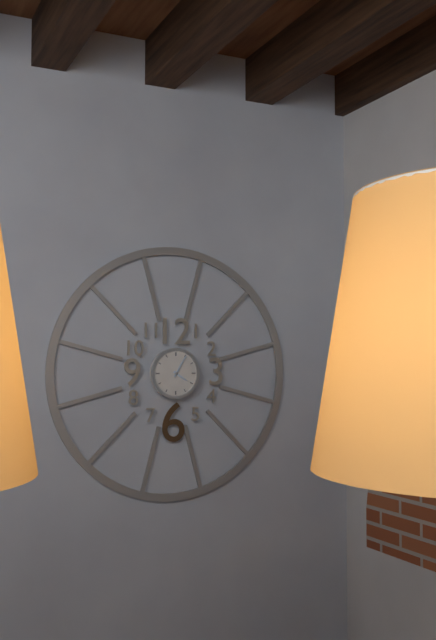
4:05
